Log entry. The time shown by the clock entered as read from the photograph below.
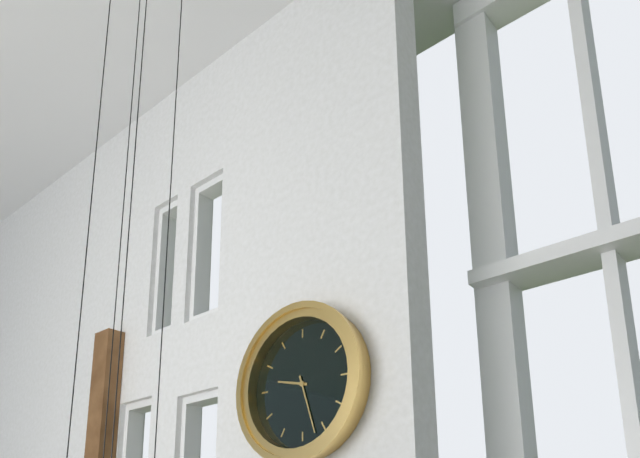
9:27
